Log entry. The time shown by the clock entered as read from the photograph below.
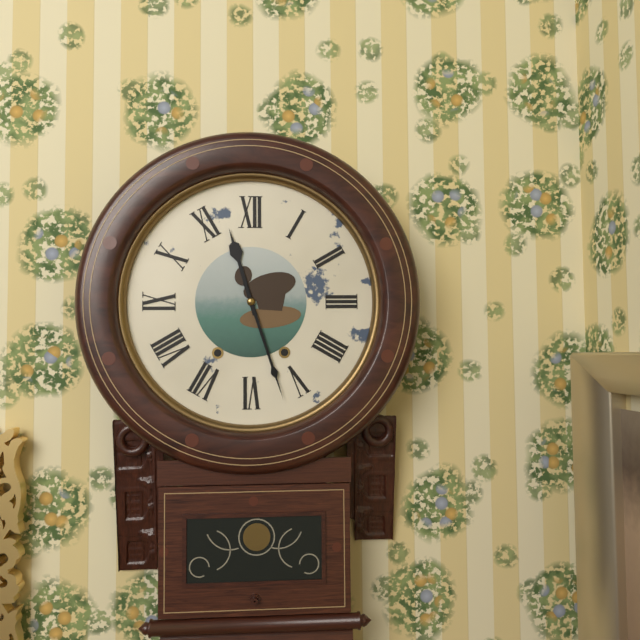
11:27
